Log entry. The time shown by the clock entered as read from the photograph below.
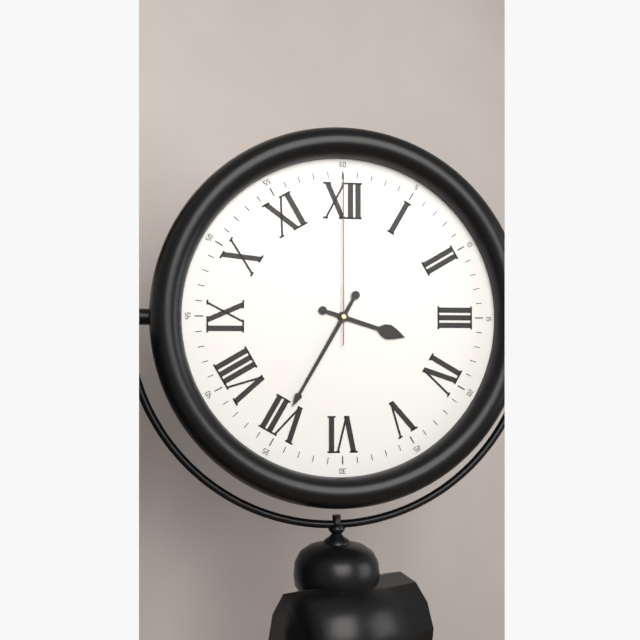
3:35:00
